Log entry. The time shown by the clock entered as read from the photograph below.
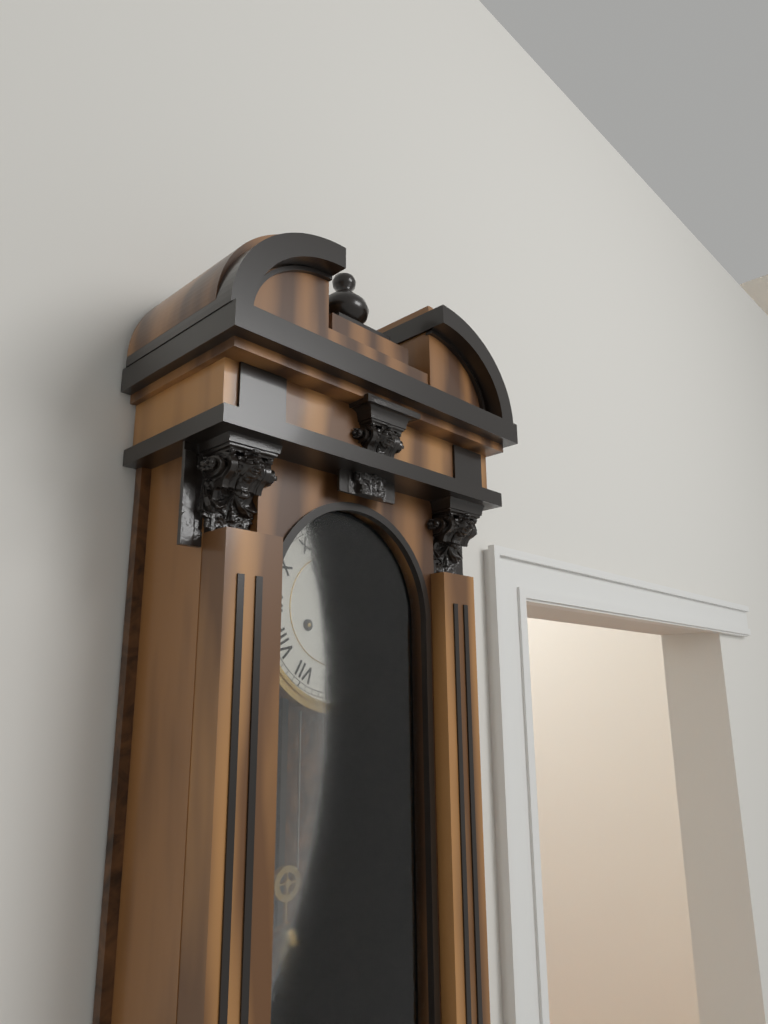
11:02
